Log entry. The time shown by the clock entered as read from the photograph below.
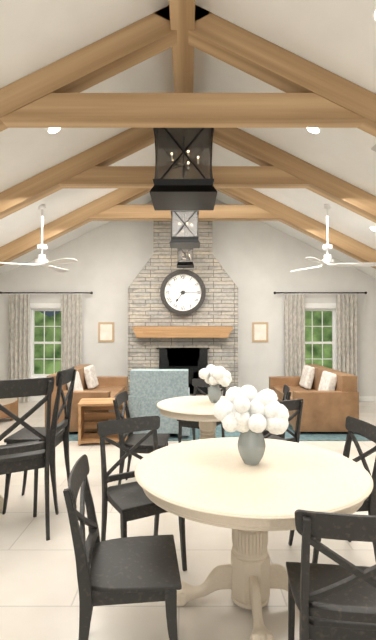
7:15
